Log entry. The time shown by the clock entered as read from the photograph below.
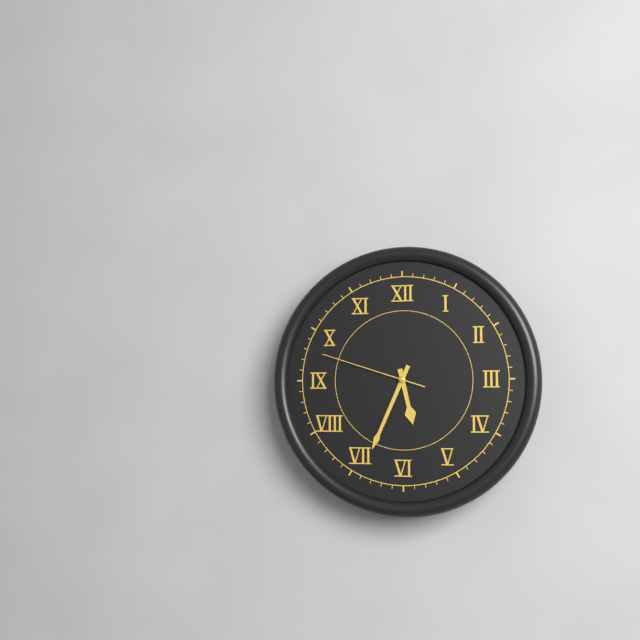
5:34:48
